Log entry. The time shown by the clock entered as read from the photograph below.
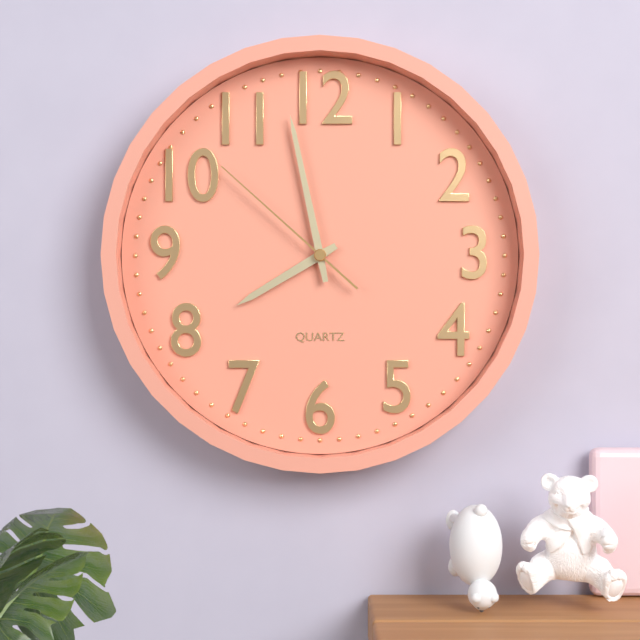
7:58:52
